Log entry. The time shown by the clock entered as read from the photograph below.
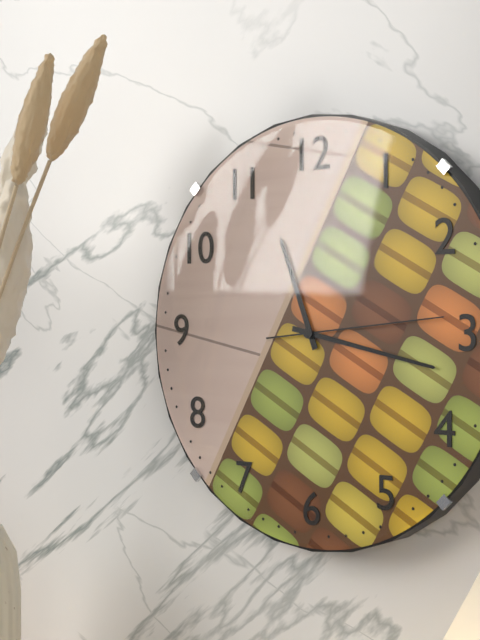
11:17:14
